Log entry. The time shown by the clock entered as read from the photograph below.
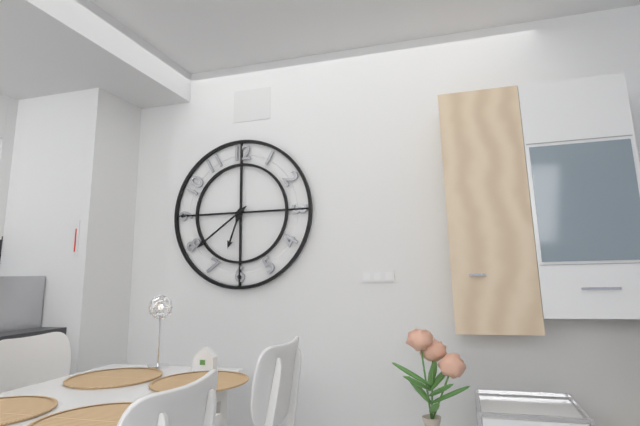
6:39
